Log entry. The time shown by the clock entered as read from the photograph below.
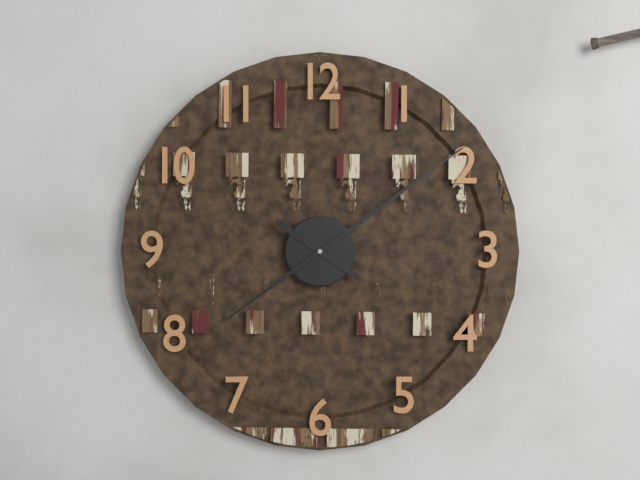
10:09
